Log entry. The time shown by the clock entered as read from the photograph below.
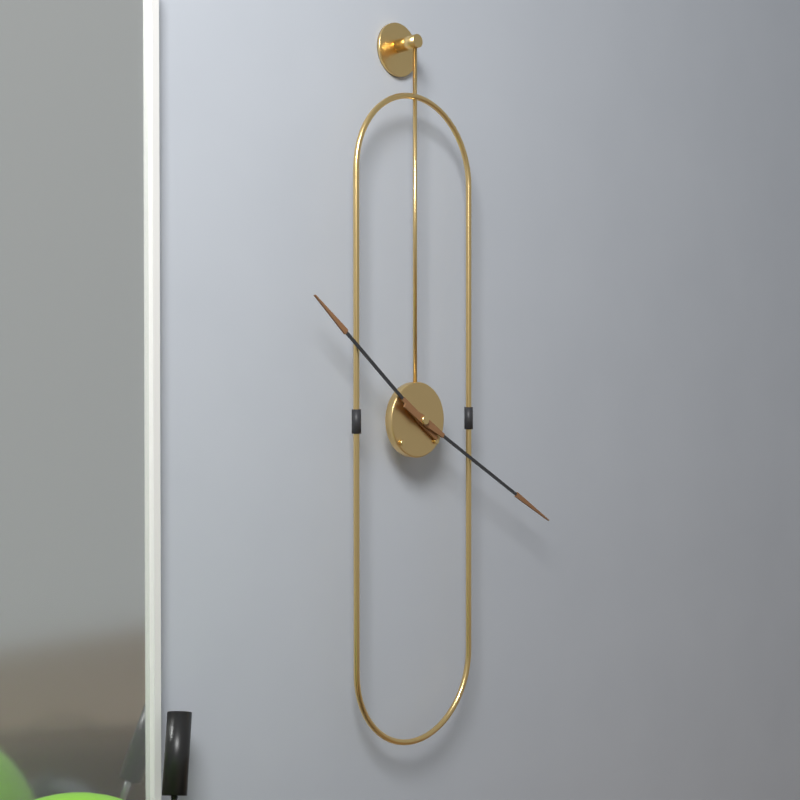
10:20
